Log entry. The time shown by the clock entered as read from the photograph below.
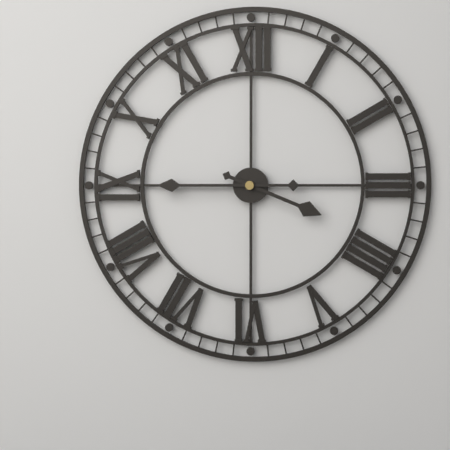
3:45
